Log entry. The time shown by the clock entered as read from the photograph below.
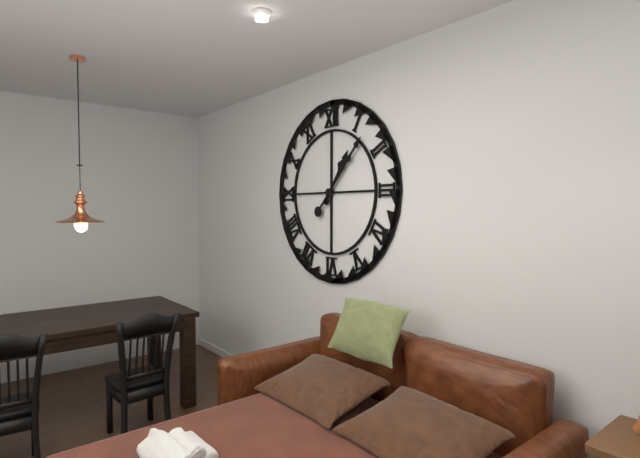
1:07
